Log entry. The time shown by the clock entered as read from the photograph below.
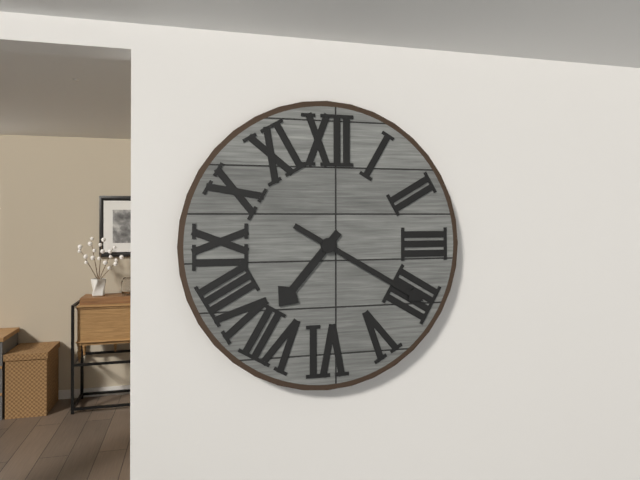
7:20
